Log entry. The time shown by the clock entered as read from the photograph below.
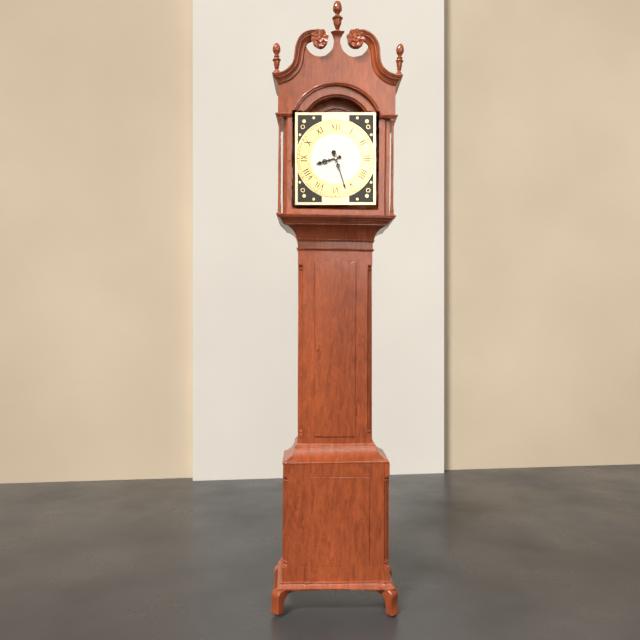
8:27
